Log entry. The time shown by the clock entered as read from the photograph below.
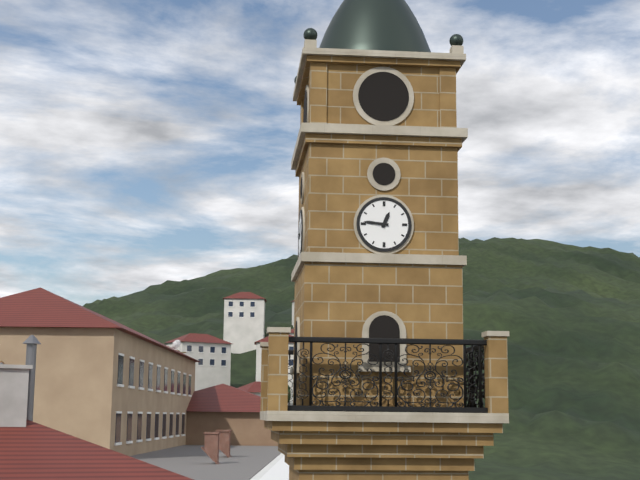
12:46
